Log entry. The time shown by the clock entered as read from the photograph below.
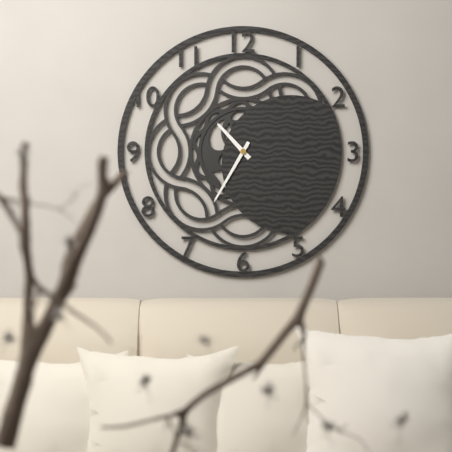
10:35
